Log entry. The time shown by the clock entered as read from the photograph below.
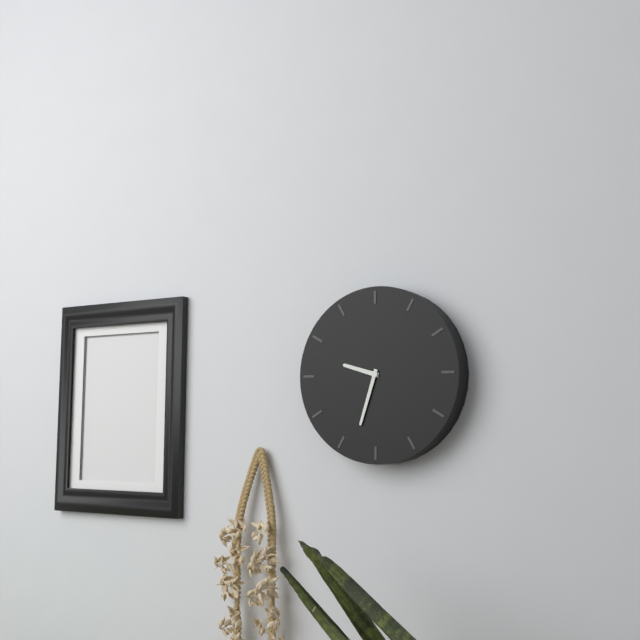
9:33
